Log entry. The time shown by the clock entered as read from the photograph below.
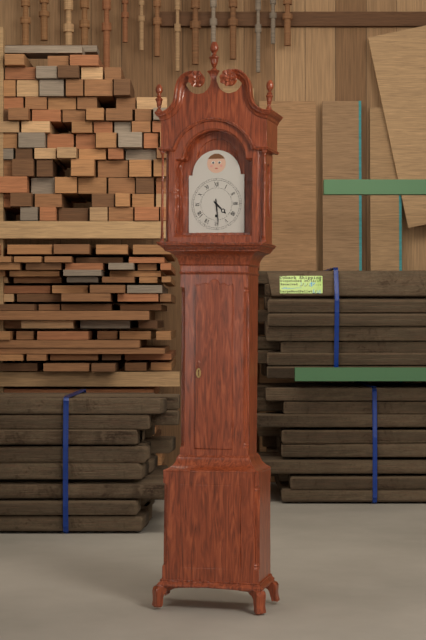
4:29
